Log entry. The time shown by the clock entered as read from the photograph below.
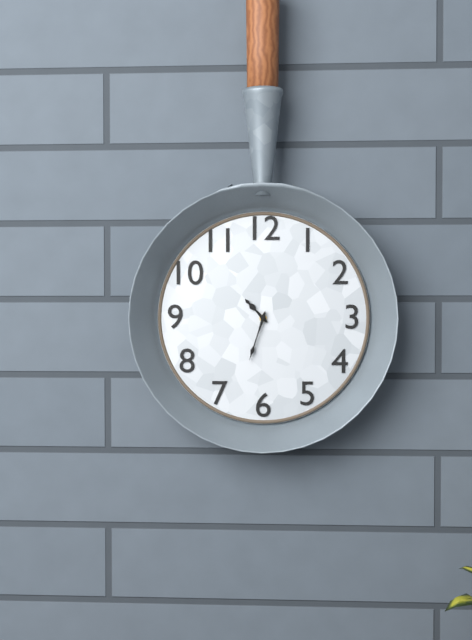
10:33
